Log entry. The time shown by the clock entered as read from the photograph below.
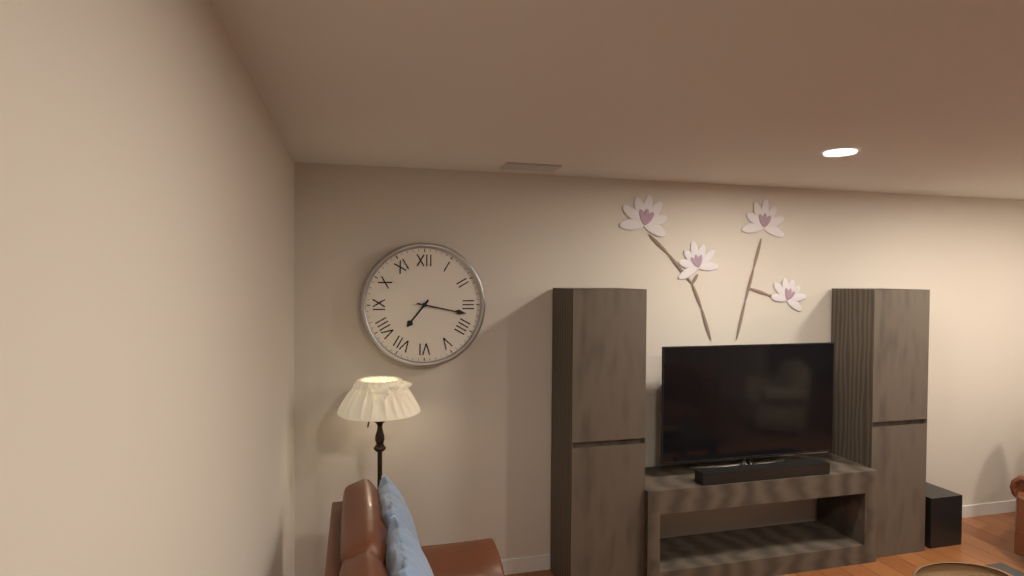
7:17
